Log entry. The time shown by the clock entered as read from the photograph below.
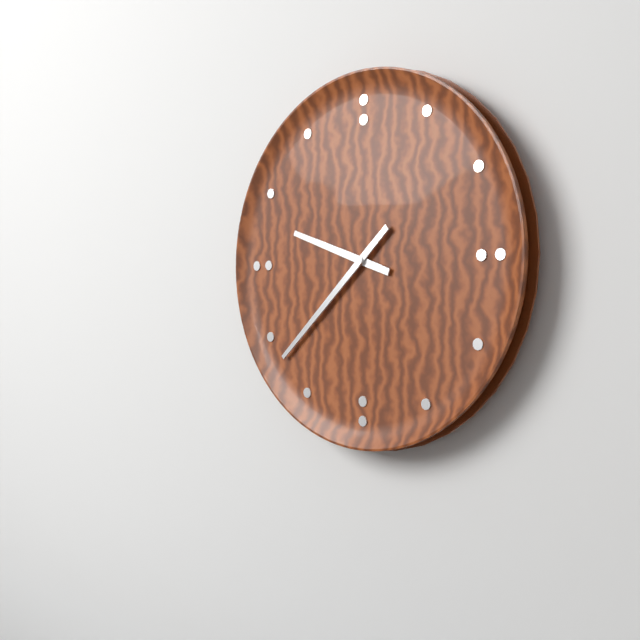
9:38
